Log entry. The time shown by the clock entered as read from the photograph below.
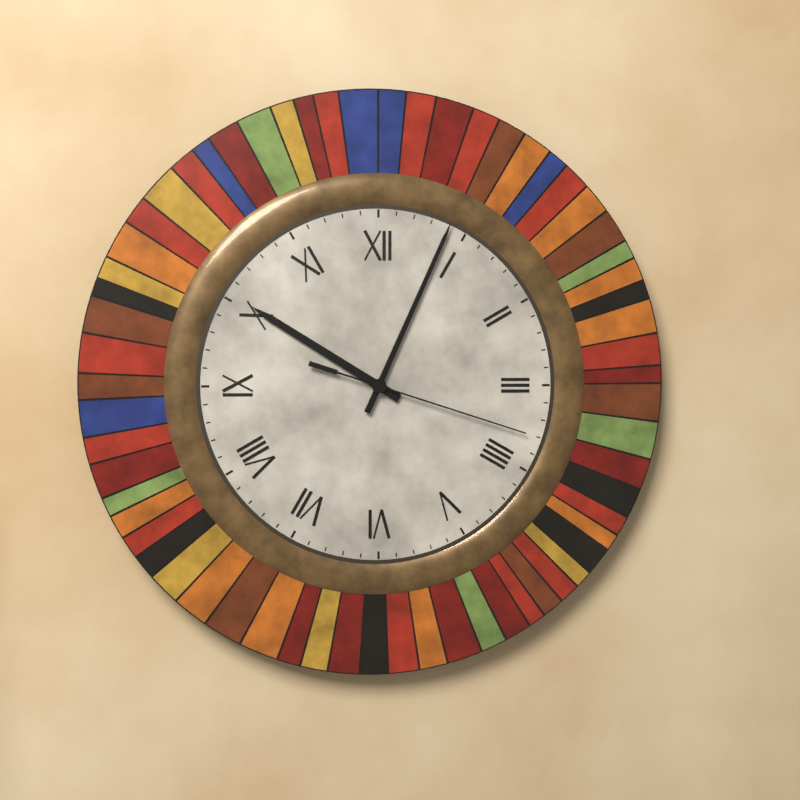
10:04:18
